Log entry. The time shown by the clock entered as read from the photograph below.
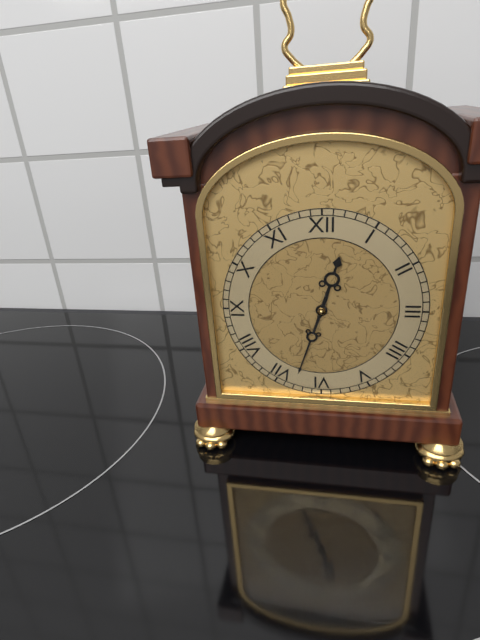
12:33
